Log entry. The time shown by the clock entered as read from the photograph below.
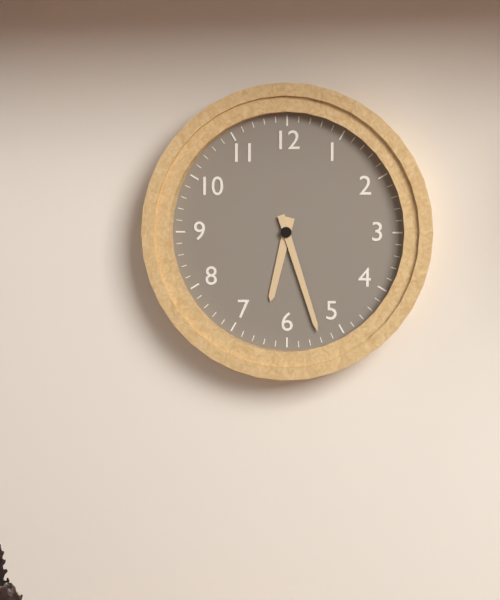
6:27
